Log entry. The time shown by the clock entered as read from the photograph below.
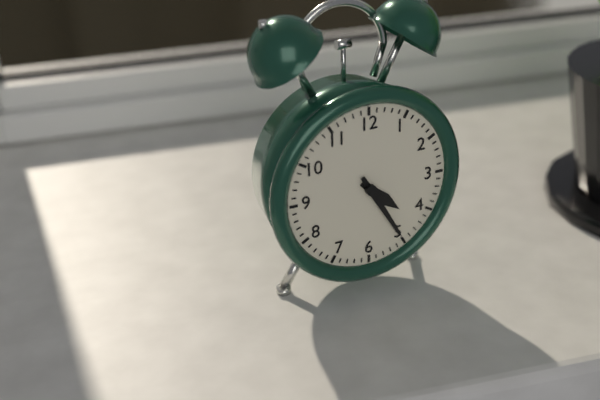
4:25
